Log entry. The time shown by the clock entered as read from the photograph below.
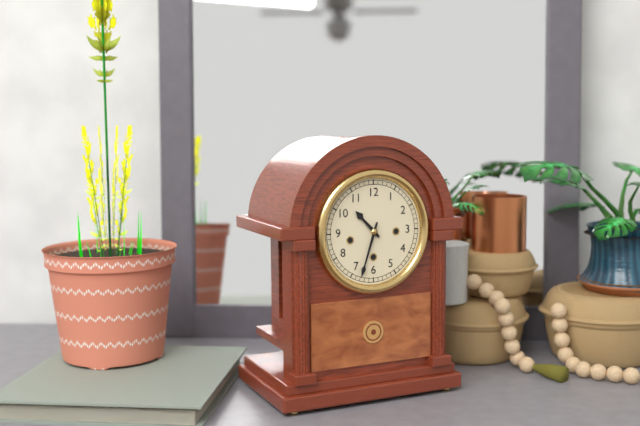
10:33
